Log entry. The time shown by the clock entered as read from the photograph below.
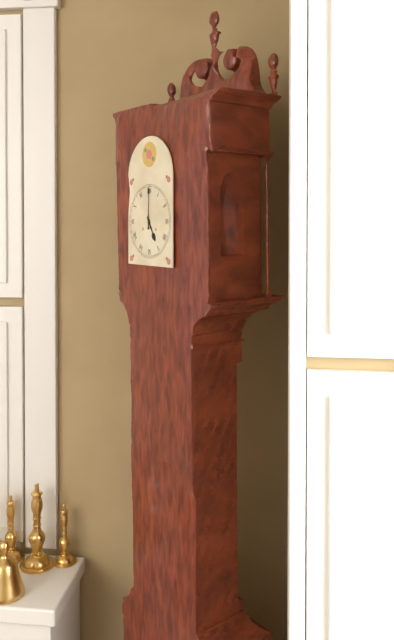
5:00
